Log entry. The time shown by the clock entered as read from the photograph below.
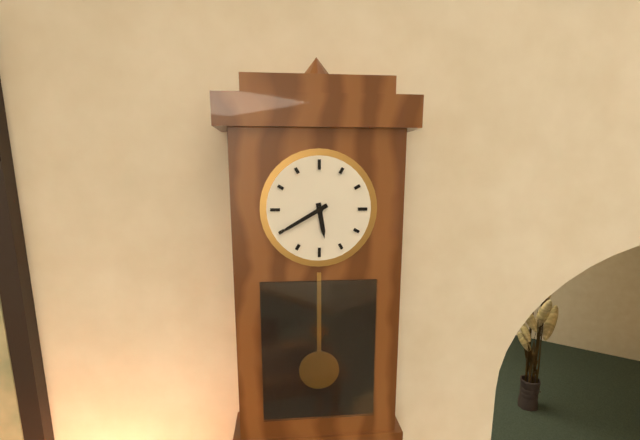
5:40
